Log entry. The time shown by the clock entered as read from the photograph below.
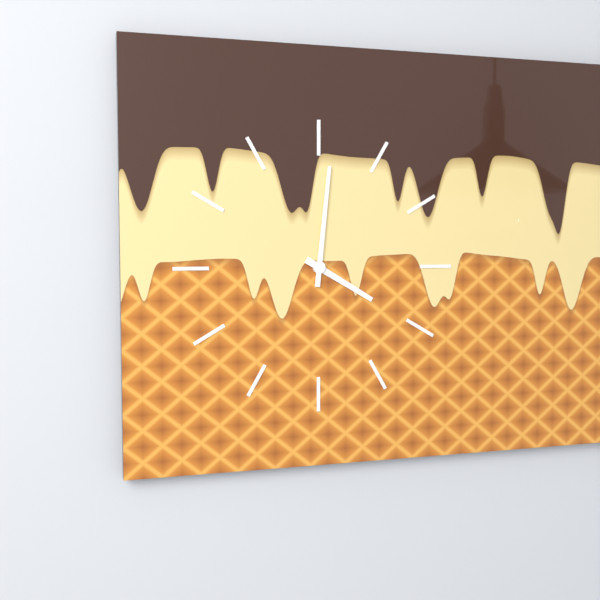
4:01
